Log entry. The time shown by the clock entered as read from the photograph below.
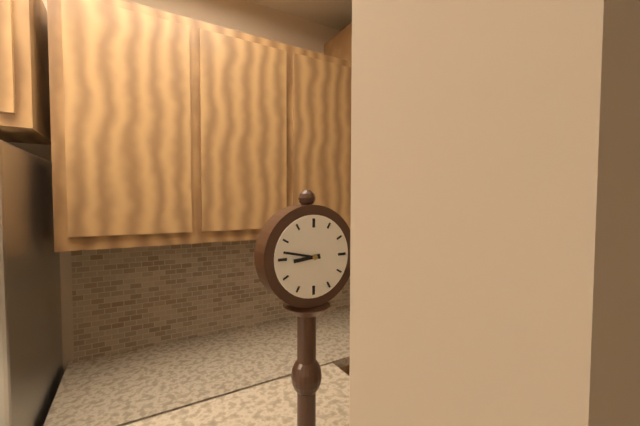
8:47
